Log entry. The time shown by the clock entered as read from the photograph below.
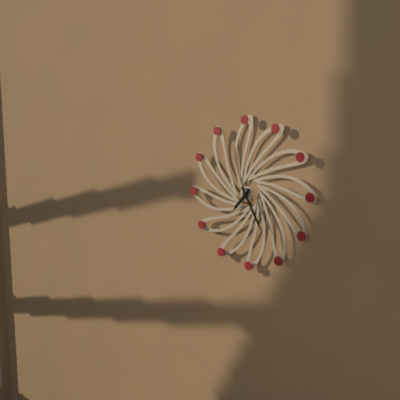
7:25
